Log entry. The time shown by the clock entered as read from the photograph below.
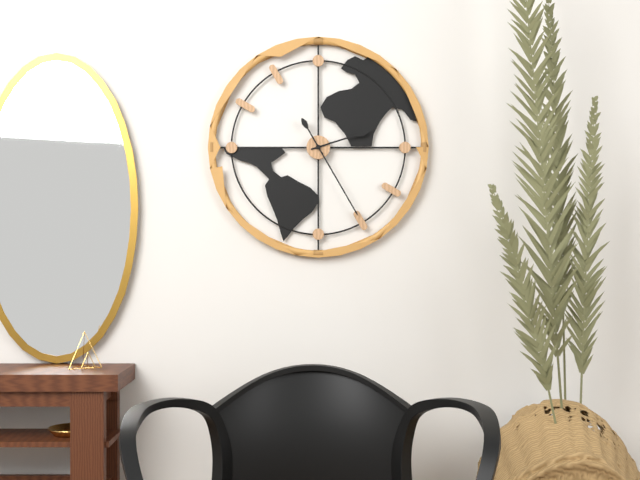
2:25
